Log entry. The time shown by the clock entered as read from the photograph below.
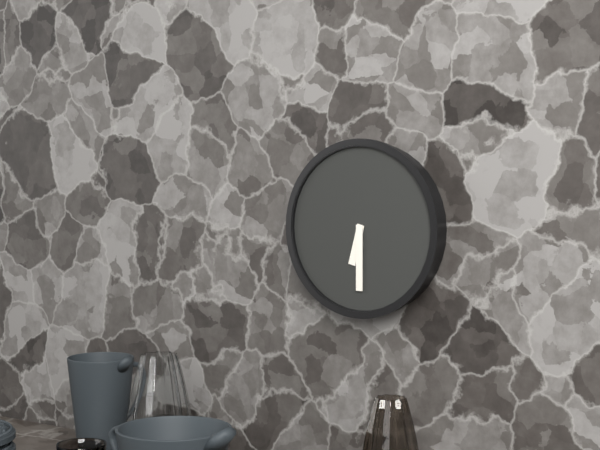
6:30
